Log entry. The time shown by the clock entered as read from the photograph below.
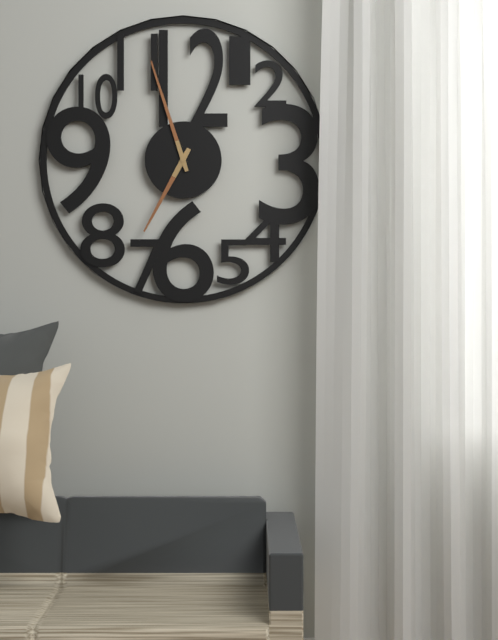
6:57
